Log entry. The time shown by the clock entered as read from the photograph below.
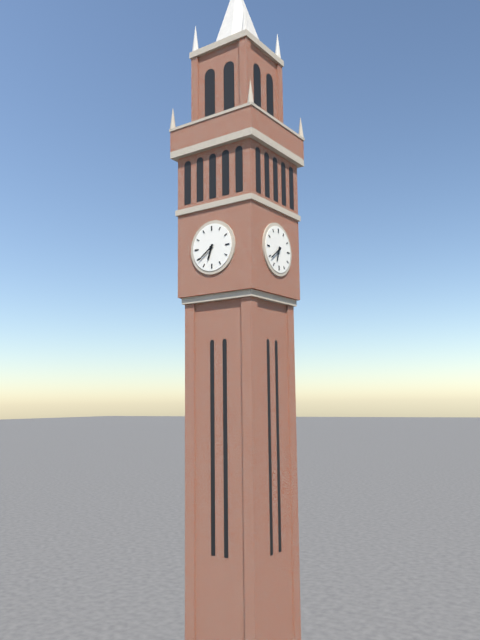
6:39
